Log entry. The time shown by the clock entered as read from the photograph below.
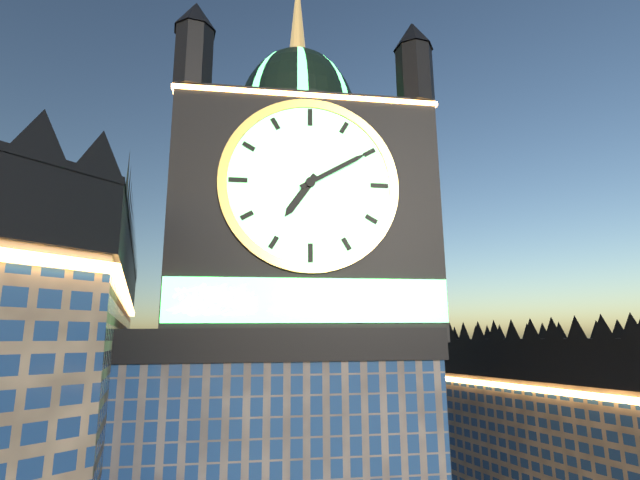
7:10
